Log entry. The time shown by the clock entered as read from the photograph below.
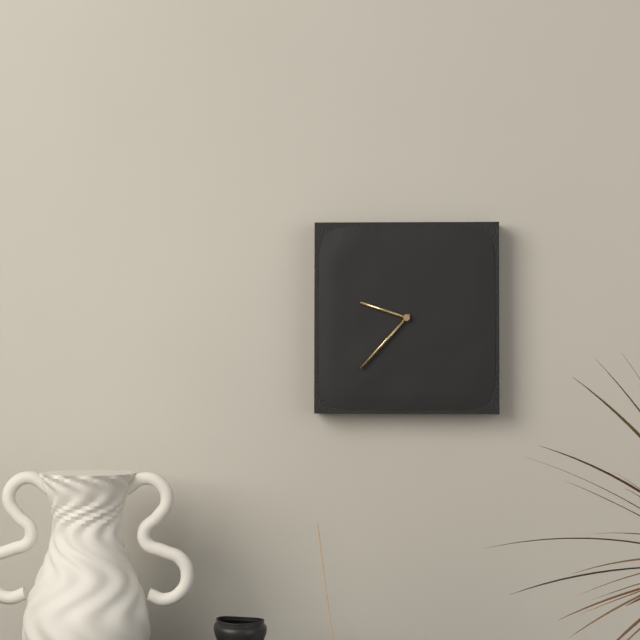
9:37
